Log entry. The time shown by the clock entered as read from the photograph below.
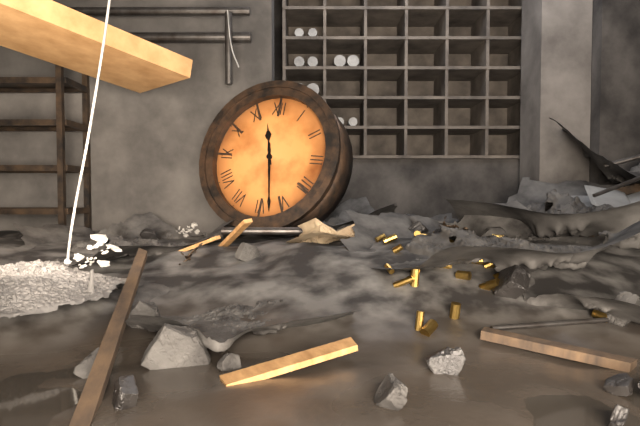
11:28
